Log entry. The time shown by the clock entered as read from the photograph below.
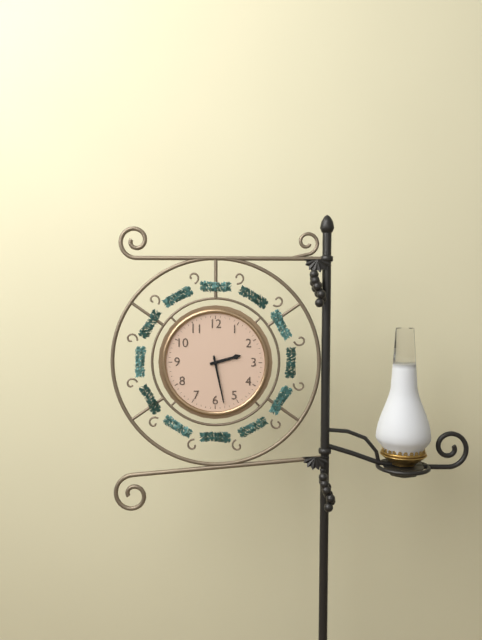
2:28
